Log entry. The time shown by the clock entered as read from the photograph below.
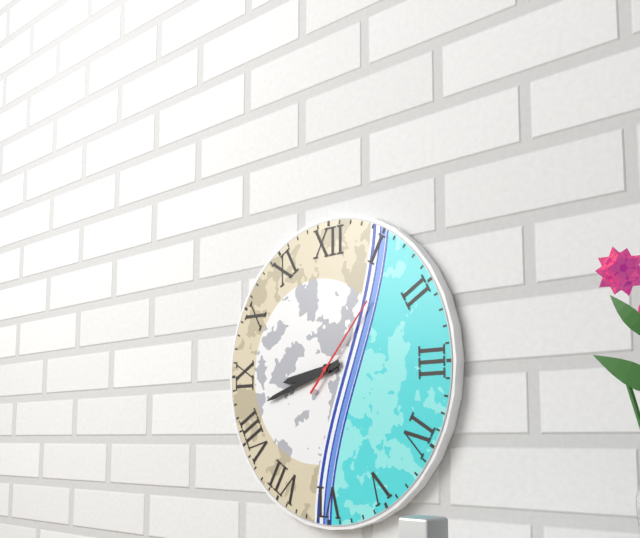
8:42:07
